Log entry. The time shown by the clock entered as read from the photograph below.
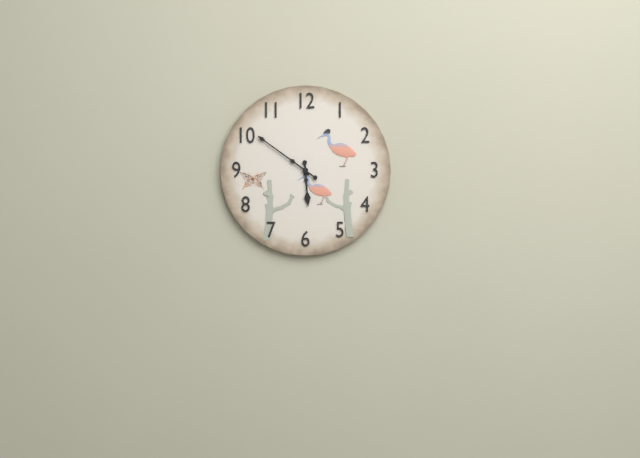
5:51
